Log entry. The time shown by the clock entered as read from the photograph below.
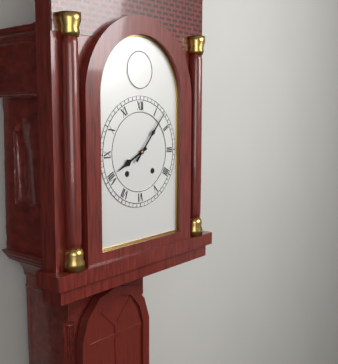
8:07
